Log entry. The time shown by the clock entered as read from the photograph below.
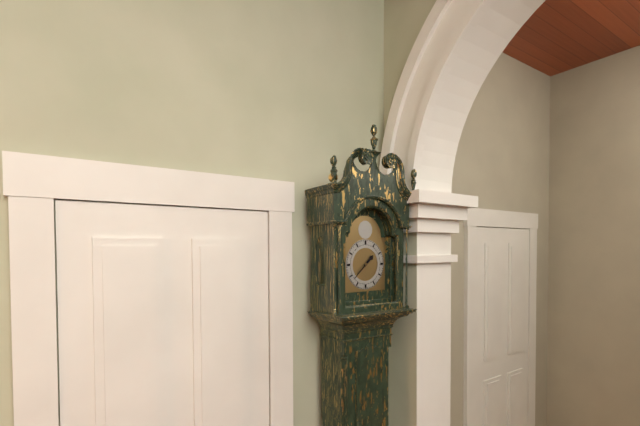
1:38
